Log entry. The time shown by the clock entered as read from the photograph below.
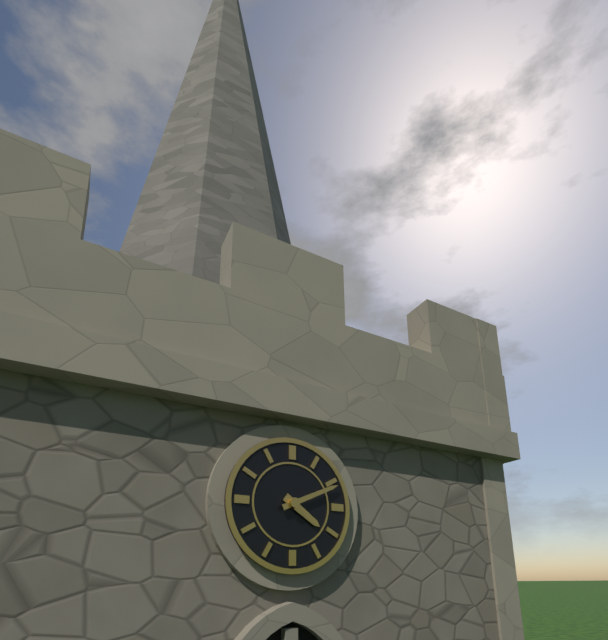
4:11
